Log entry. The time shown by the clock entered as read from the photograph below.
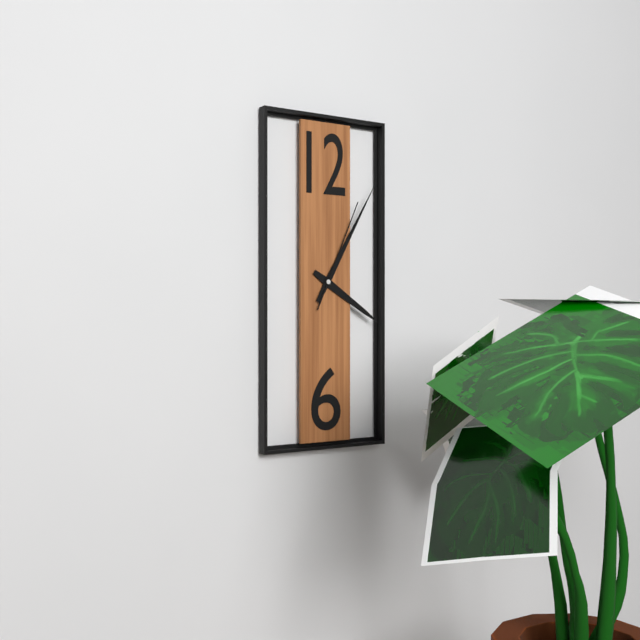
4:05:04
